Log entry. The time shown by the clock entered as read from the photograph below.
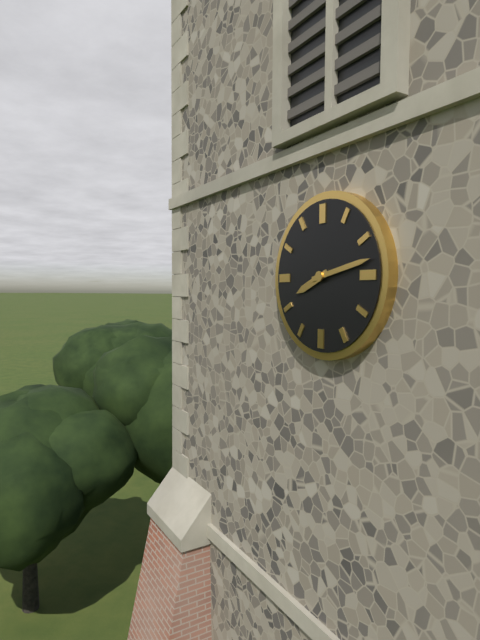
8:13
